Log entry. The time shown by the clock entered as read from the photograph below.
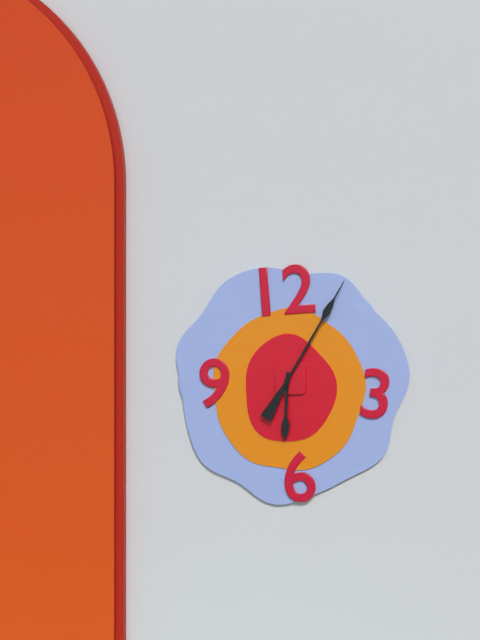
6:05
